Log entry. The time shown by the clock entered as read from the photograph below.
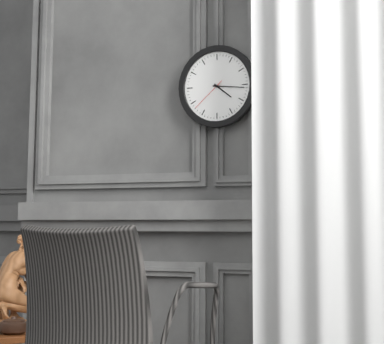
4:16
